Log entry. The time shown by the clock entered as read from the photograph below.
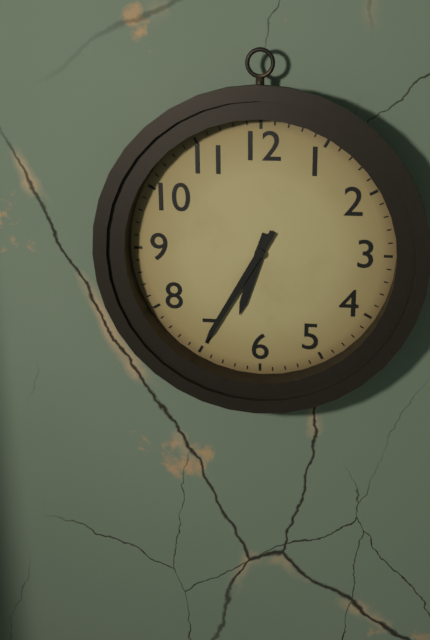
6:35
